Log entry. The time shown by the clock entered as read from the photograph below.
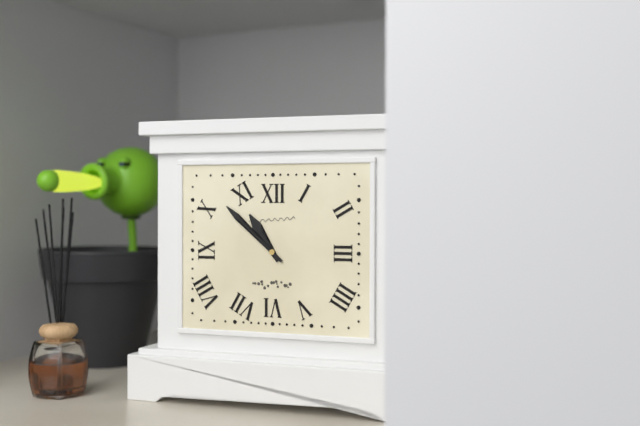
10:52
